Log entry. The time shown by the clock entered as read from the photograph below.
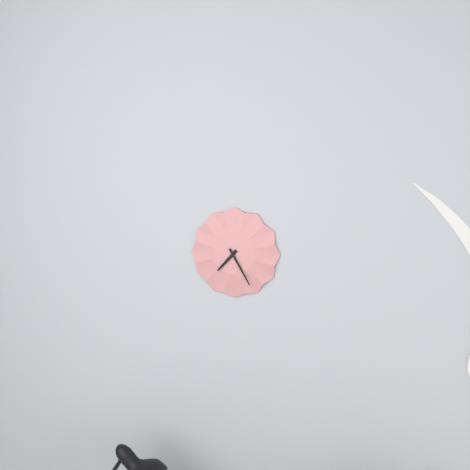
7:25
